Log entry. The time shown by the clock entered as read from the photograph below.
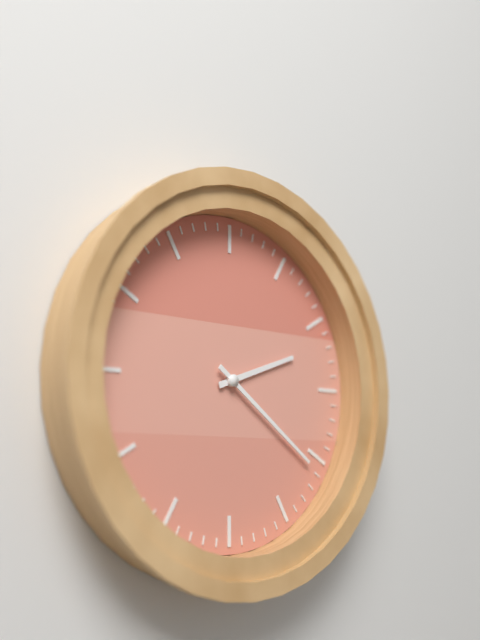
2:21
